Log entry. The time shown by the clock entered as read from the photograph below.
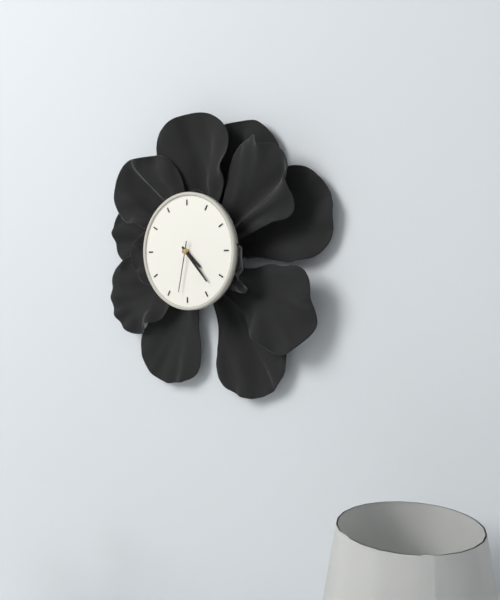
4:23:32
